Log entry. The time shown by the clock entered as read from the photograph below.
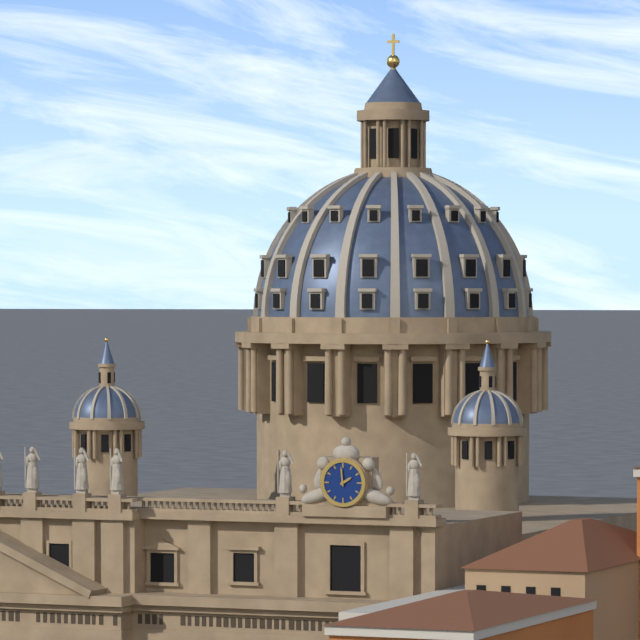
1:59
